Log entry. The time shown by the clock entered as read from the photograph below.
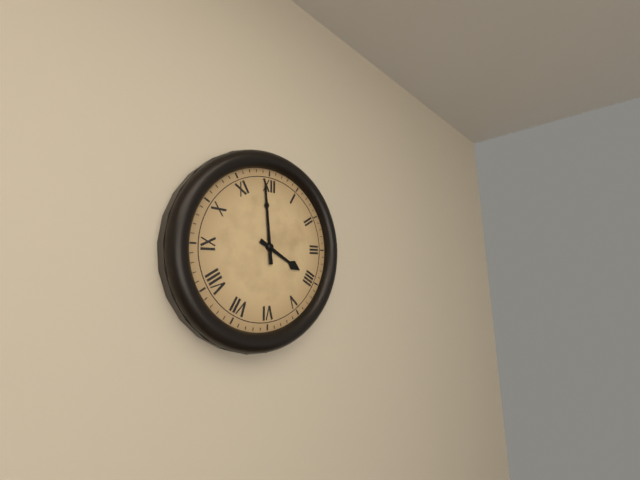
3:59
